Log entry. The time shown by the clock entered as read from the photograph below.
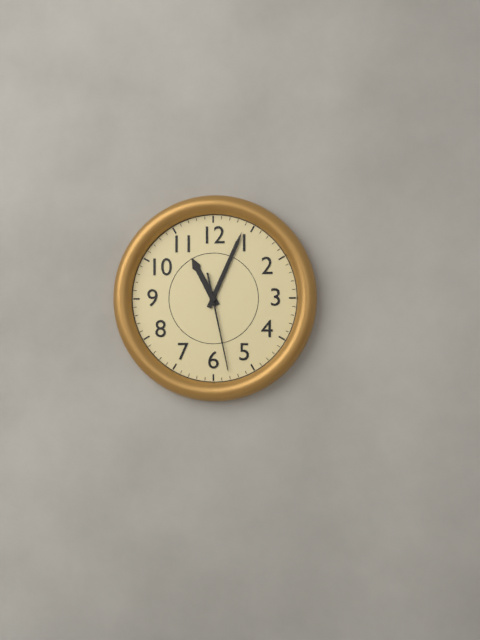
11:04:28
